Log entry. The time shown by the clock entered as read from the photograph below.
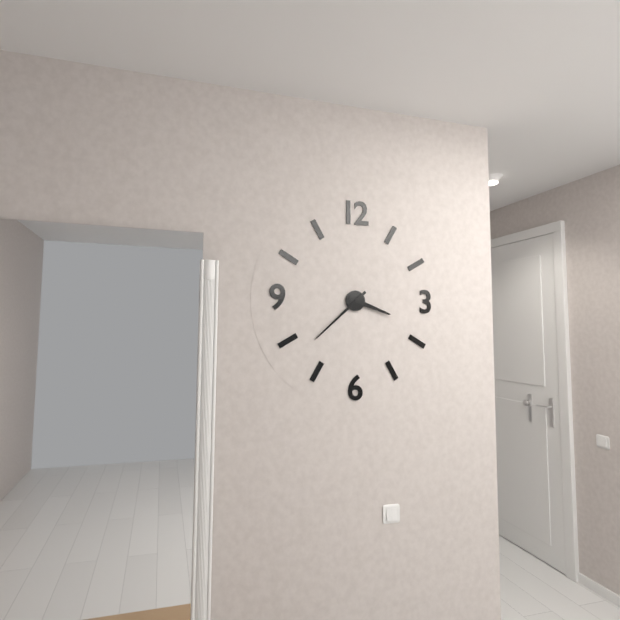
3:38
